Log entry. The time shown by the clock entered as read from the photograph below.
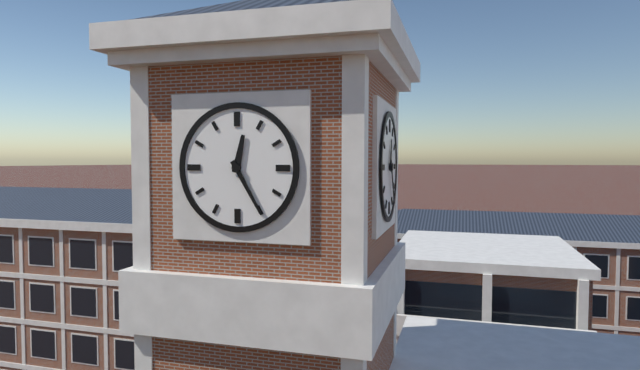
12:25
